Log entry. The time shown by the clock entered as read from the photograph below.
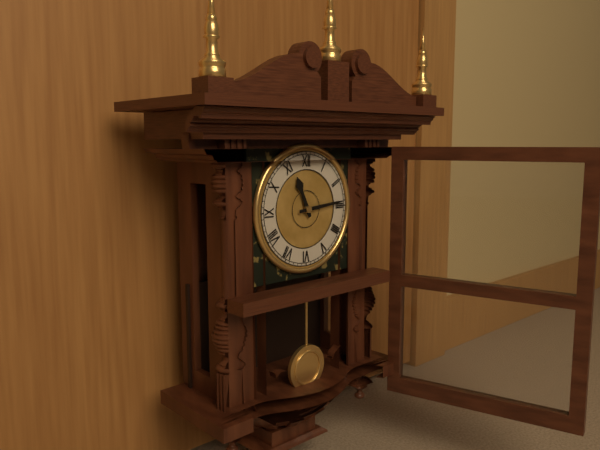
11:14
